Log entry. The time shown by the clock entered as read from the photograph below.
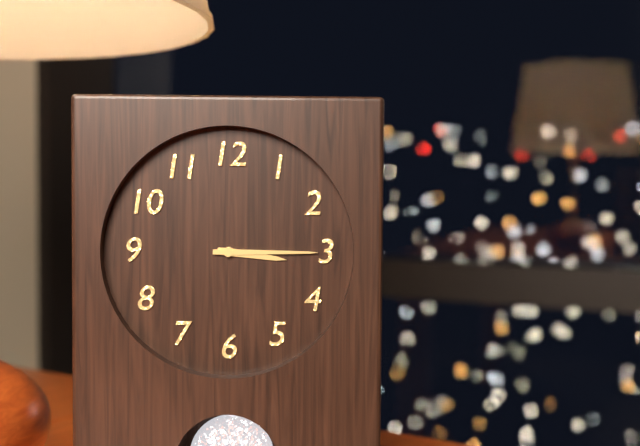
3:15
